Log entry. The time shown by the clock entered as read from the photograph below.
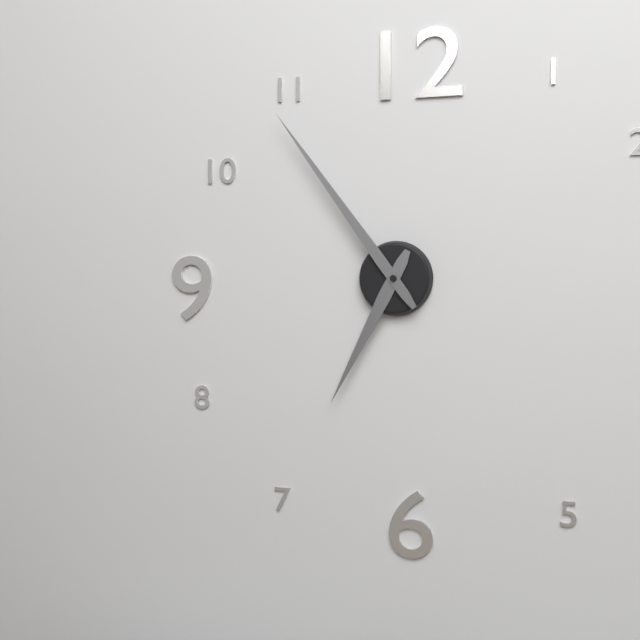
6:54
